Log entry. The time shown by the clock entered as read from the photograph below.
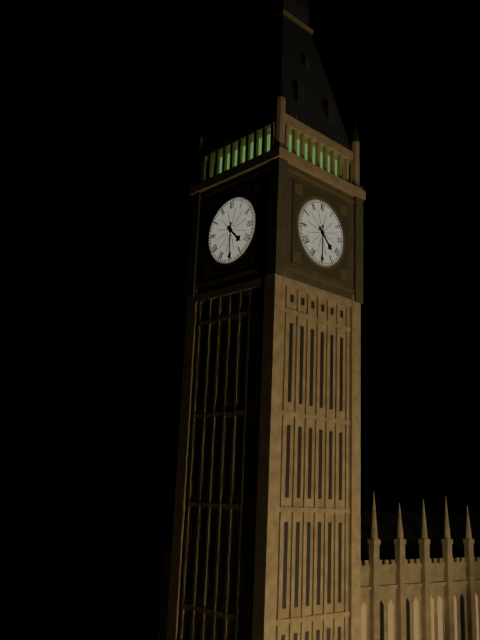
4:30
